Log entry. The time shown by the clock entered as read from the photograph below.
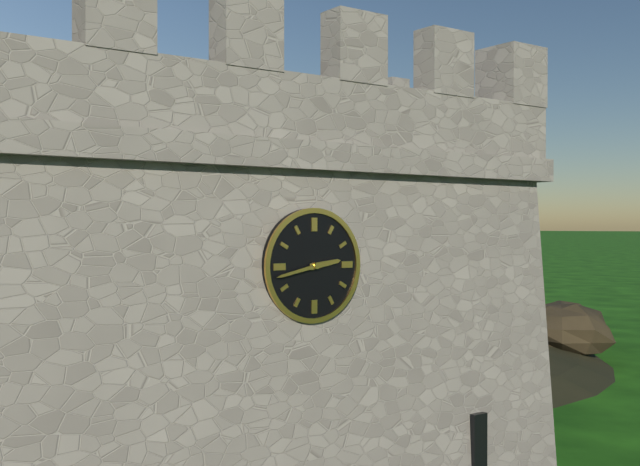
2:43
